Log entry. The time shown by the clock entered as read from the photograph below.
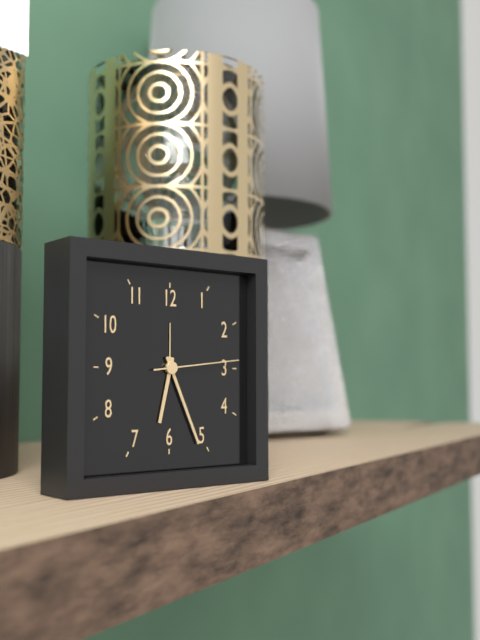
6:26:14
